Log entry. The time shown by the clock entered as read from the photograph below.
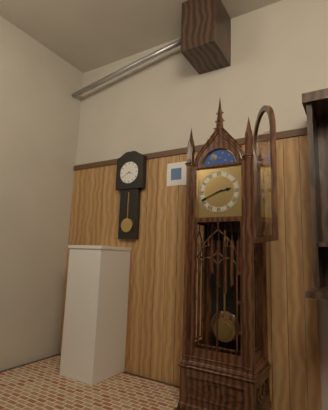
2:41
